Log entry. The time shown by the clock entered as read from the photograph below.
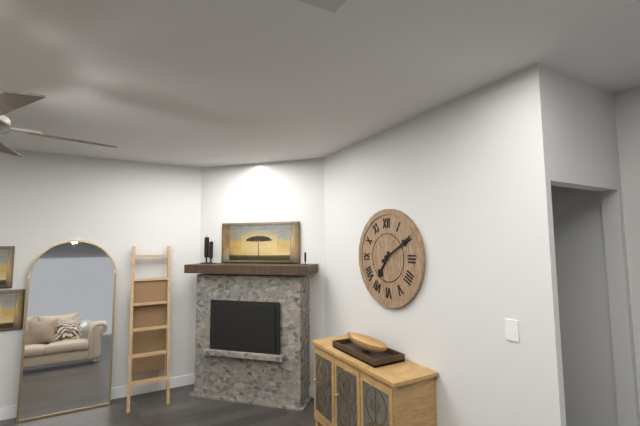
7:10
